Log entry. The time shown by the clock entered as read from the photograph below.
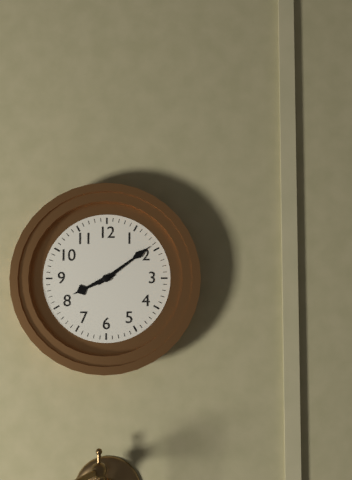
8:09
